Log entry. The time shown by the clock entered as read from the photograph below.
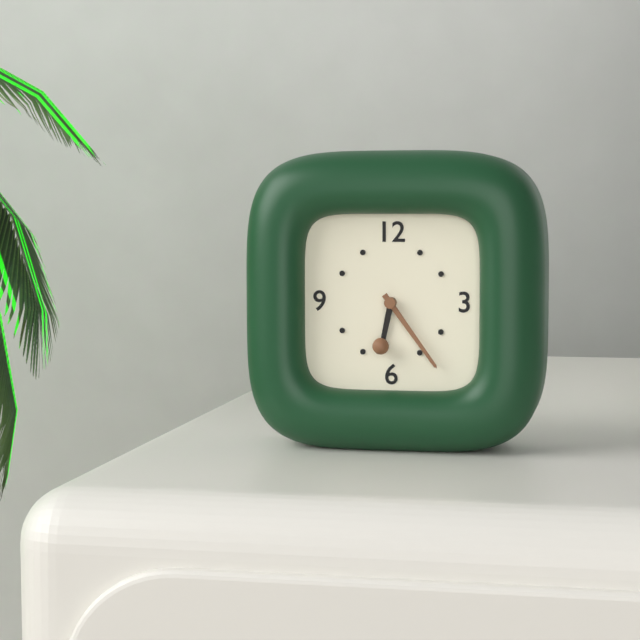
6:24
